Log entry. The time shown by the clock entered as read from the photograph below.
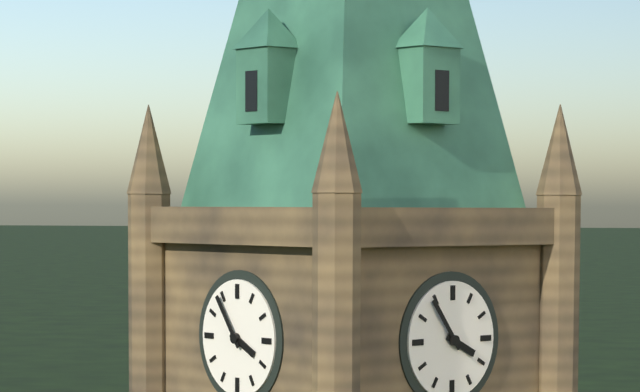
3:54
